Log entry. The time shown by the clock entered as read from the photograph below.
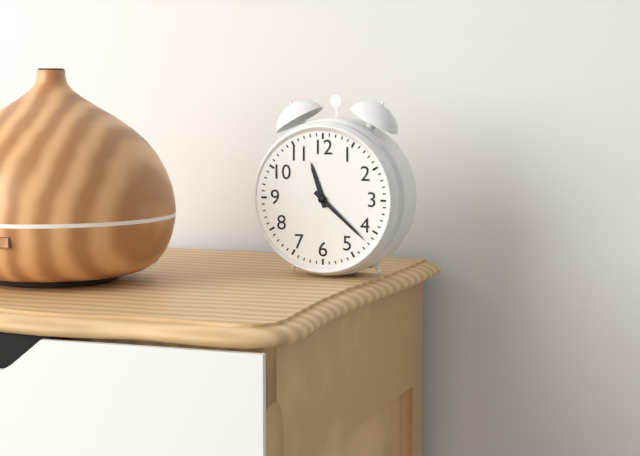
11:22
